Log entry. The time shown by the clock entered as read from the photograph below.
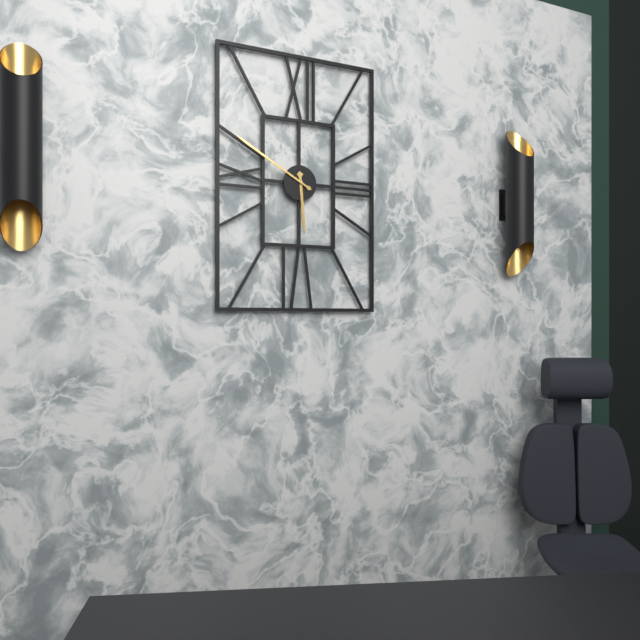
5:50
